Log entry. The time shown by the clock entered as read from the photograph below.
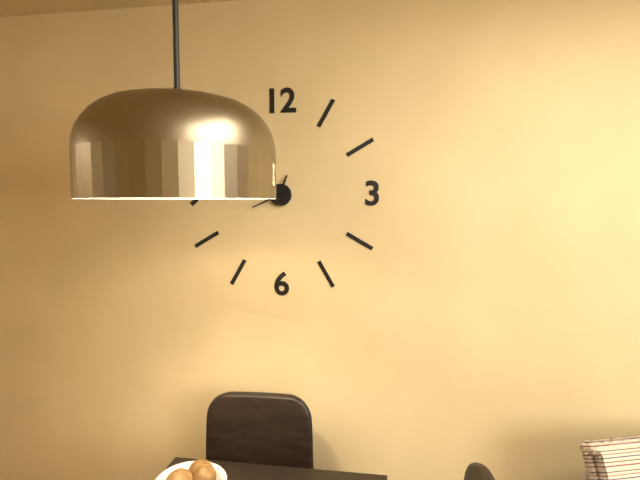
12:41
